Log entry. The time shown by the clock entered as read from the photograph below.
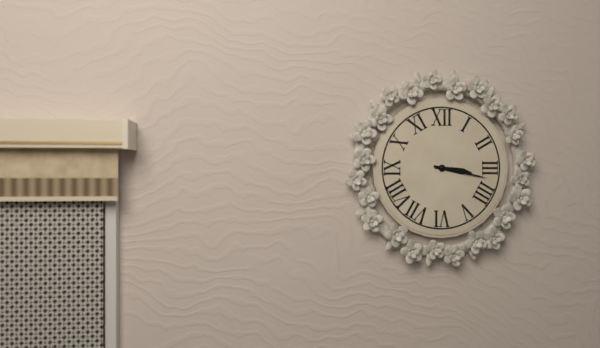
3:17
